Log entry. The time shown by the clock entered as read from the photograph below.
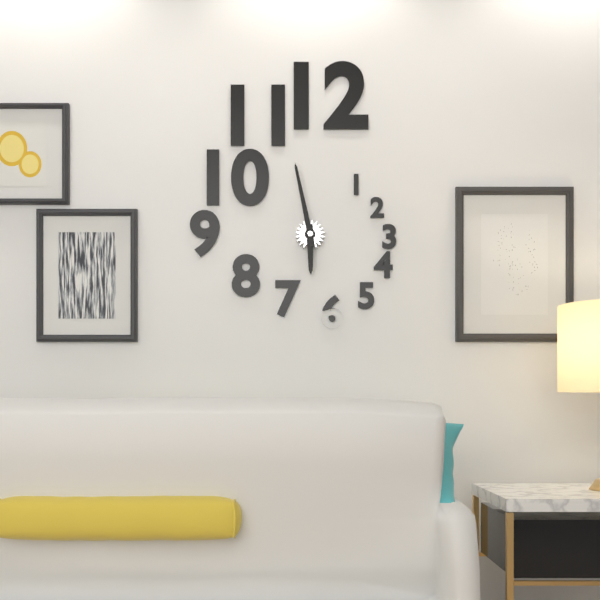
5:58
